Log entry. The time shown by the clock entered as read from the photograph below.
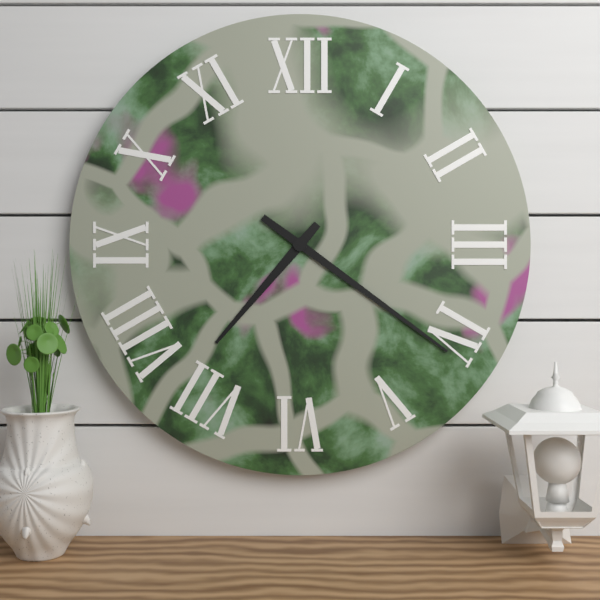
7:21
